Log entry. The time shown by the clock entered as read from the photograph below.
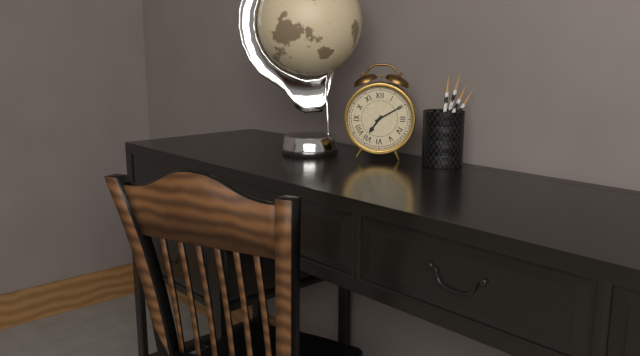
7:10
